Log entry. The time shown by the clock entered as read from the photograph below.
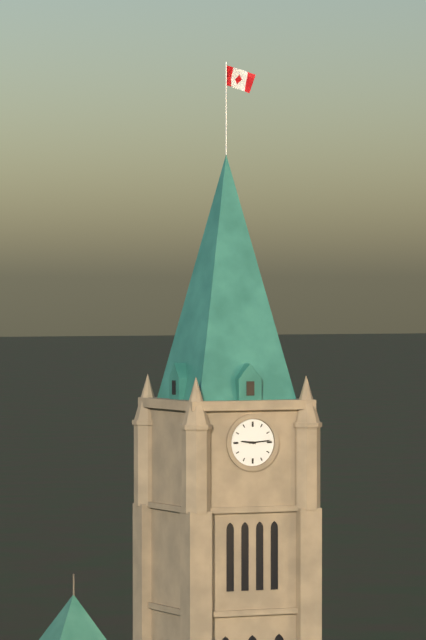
9:14
